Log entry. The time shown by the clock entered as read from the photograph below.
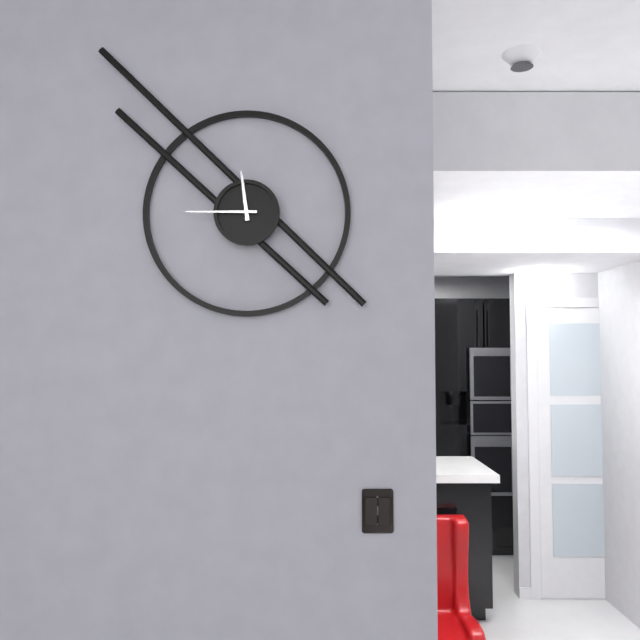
11:45
